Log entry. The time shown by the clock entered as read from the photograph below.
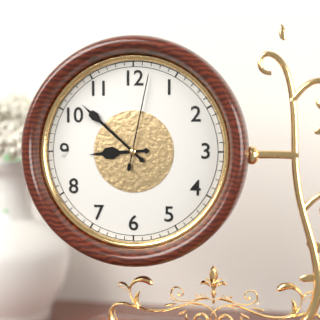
8:52:02
